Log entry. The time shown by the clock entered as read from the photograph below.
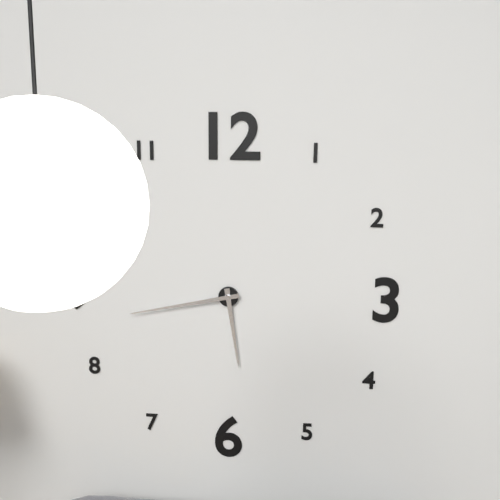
5:43
